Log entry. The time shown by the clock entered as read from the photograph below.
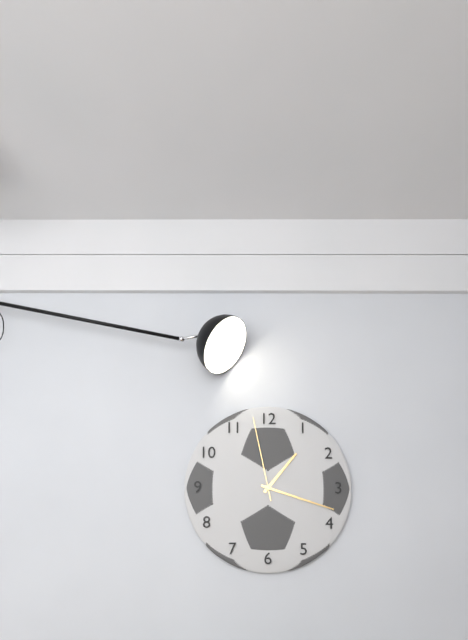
1:18:58
